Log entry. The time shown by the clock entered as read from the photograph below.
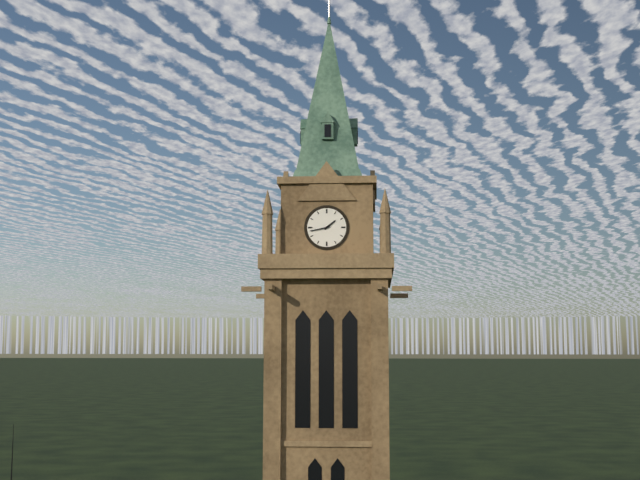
1:43
